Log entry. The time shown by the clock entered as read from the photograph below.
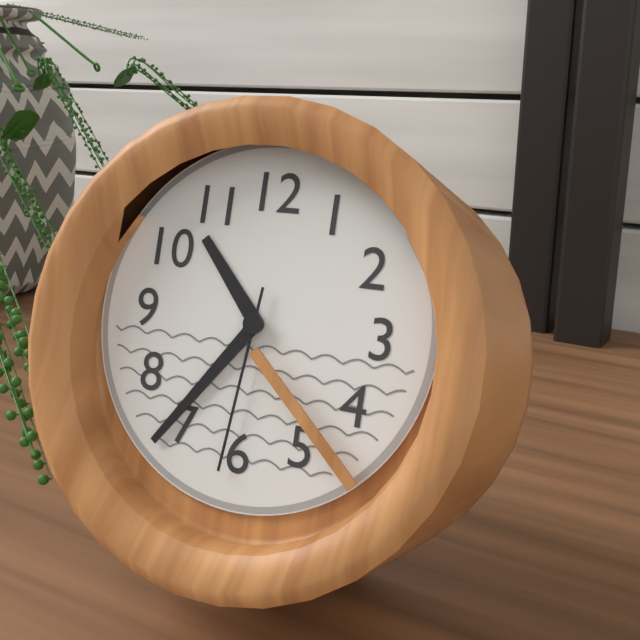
10:36:31
